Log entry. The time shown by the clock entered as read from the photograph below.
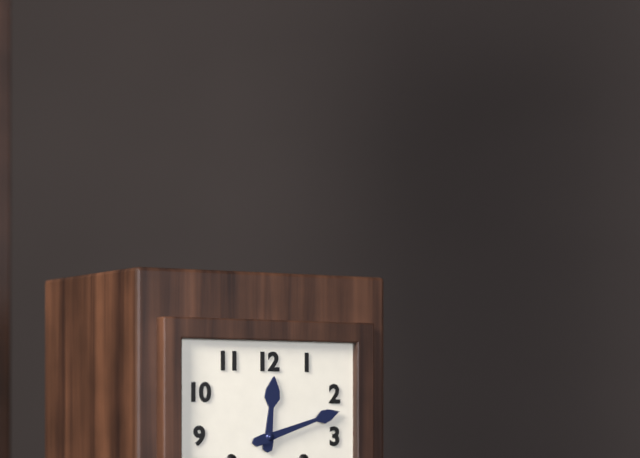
12:12
